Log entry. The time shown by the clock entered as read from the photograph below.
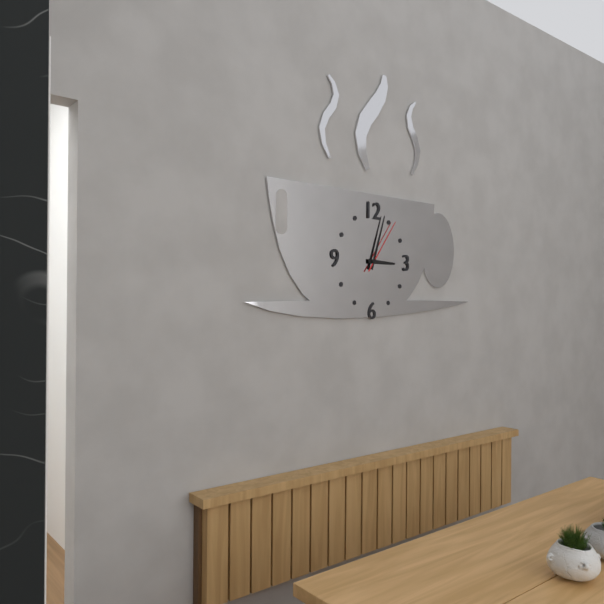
3:03:06
